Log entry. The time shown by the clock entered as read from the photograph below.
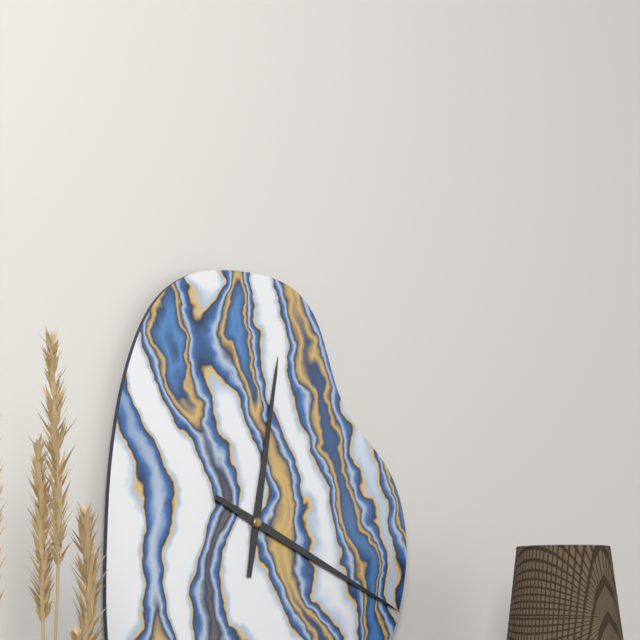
12:19
